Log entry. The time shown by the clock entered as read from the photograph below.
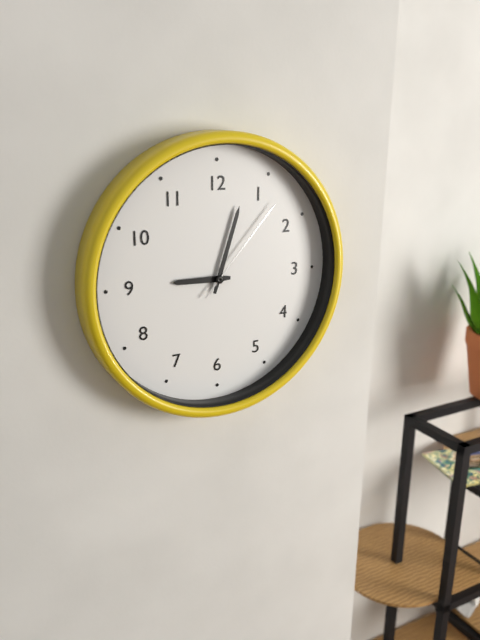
9:03:07
